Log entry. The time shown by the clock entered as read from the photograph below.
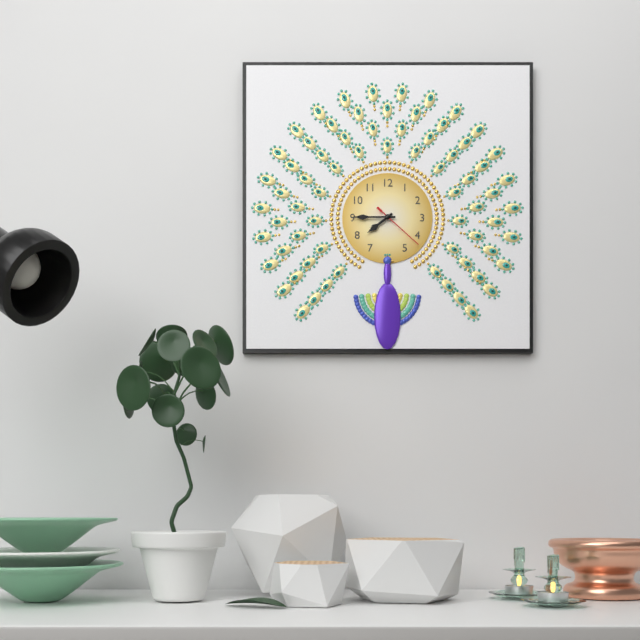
7:45:22
